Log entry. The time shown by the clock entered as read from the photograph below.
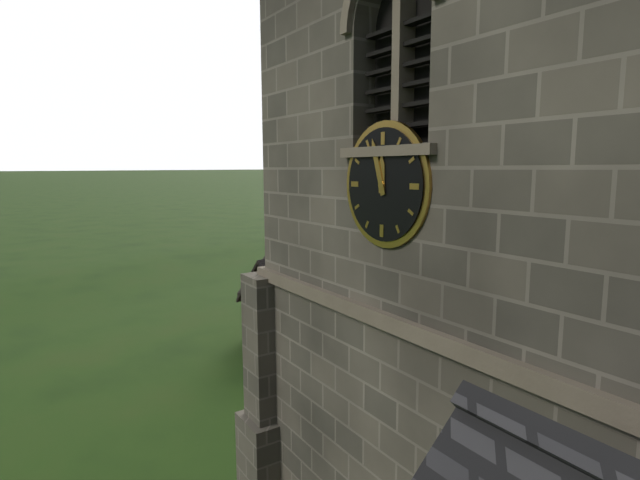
11:57
